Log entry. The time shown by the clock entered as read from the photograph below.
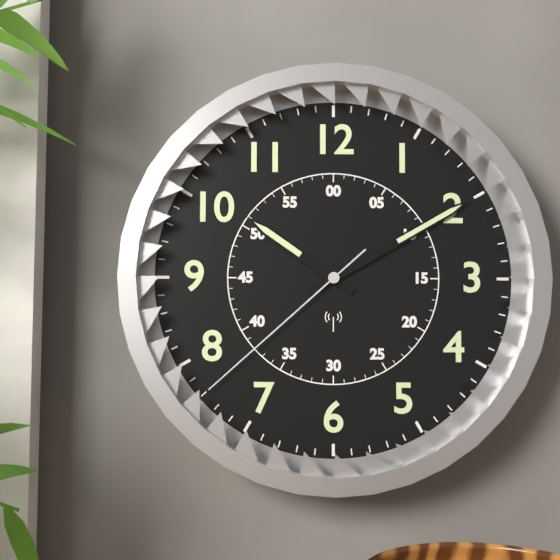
10:10:38
